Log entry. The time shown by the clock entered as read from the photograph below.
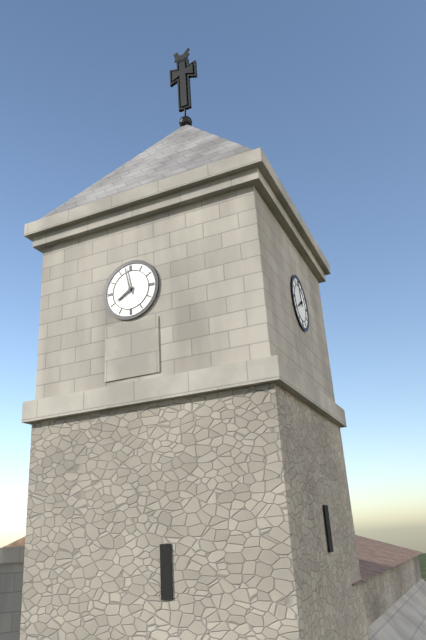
7:58
